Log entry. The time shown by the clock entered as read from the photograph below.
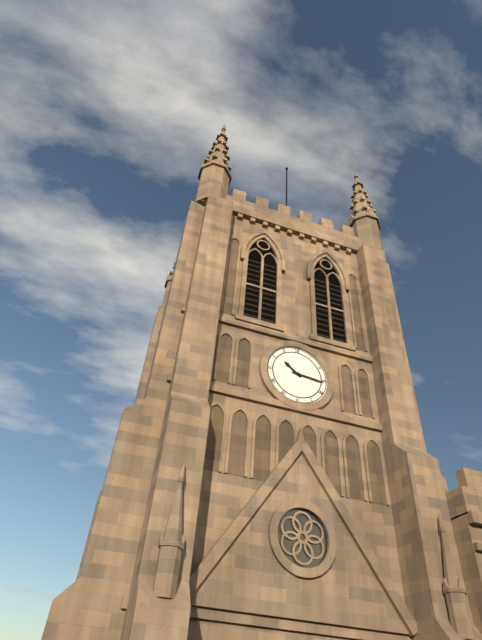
10:16
